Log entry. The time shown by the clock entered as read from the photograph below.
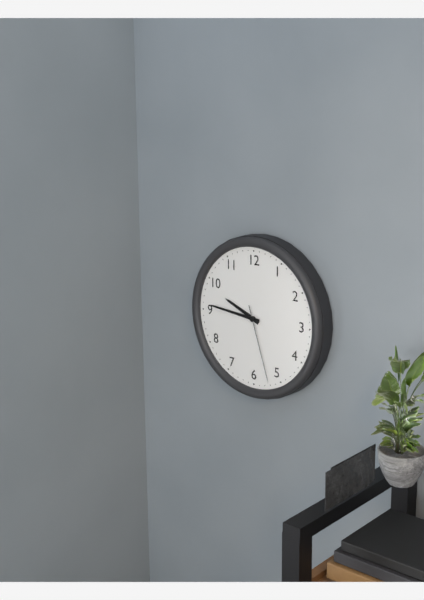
9:46:27
